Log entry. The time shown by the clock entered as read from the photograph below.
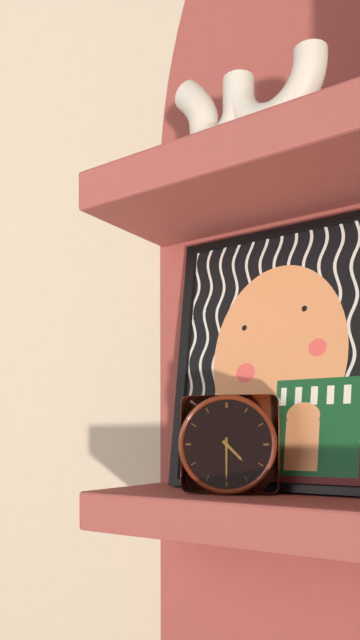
4:30
